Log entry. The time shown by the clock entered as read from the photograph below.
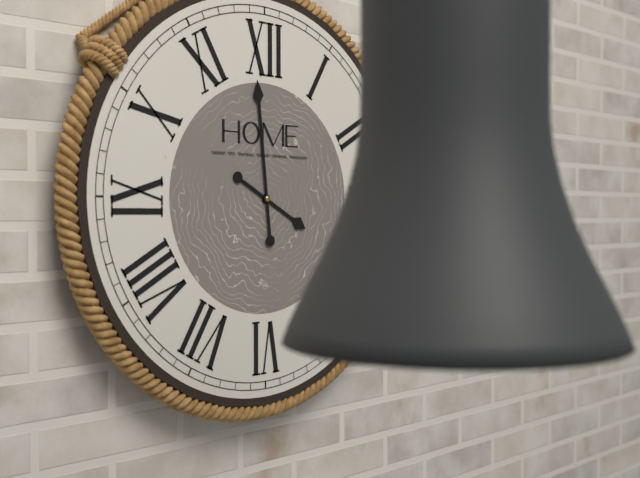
3:59
